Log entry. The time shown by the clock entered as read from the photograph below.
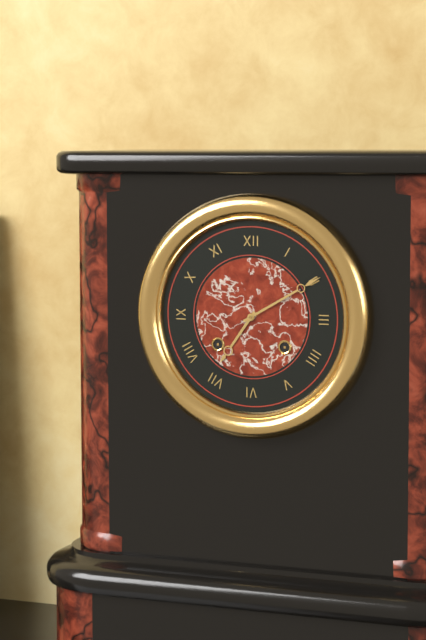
7:10
